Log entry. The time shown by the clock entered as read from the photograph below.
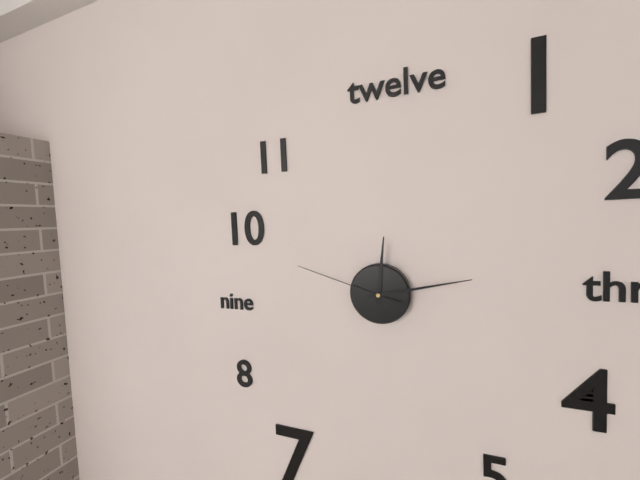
12:13:48
